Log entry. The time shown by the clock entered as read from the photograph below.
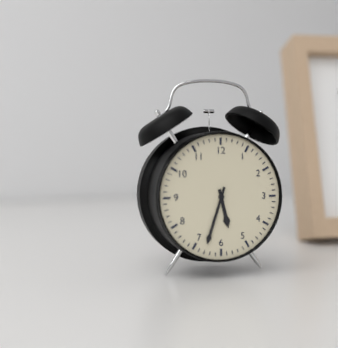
5:33
